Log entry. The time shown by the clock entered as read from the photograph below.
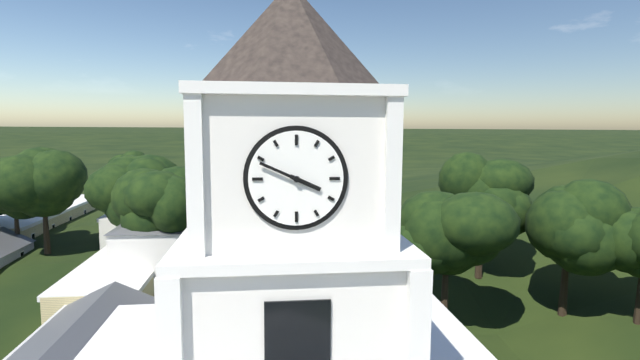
3:49
